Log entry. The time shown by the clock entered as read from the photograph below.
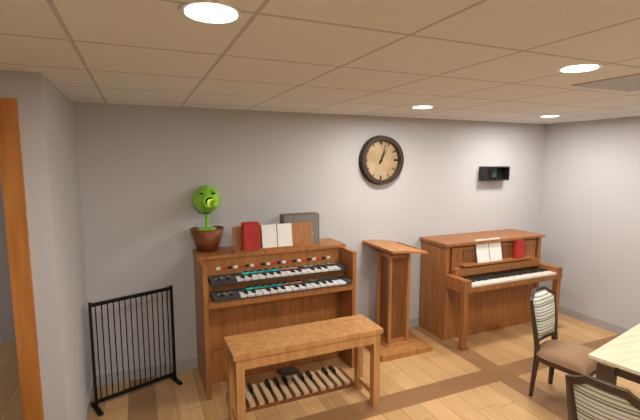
1:03
